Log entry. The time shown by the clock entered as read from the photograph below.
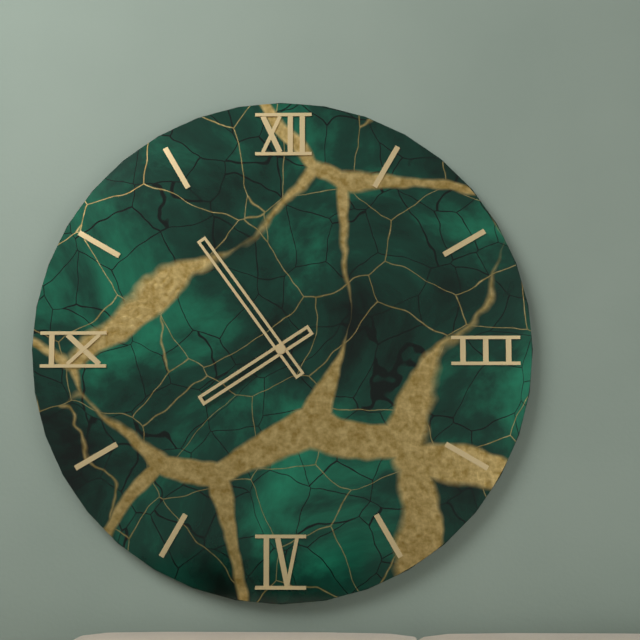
7:54
